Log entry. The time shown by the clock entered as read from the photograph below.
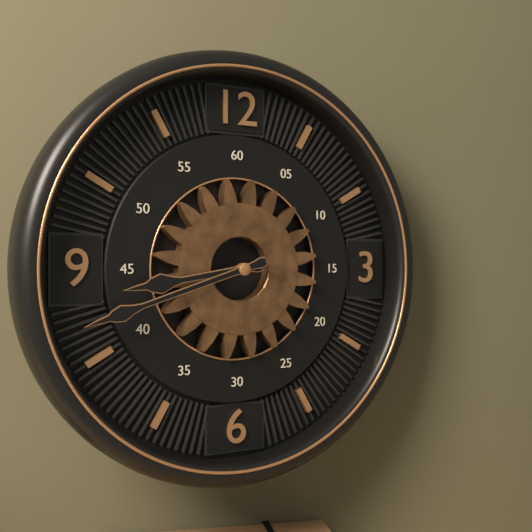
8:42
